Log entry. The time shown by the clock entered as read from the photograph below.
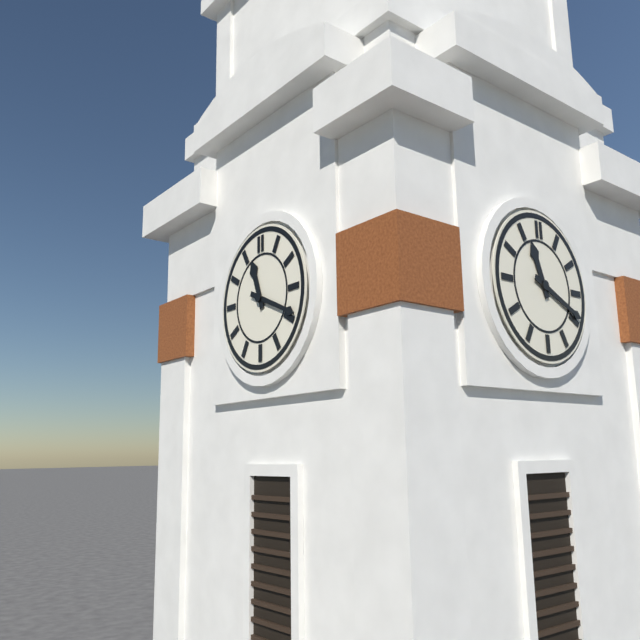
11:19
